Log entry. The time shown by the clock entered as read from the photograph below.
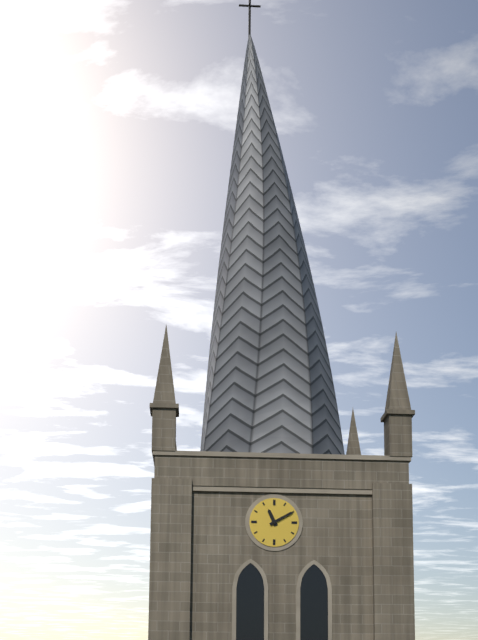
11:10
